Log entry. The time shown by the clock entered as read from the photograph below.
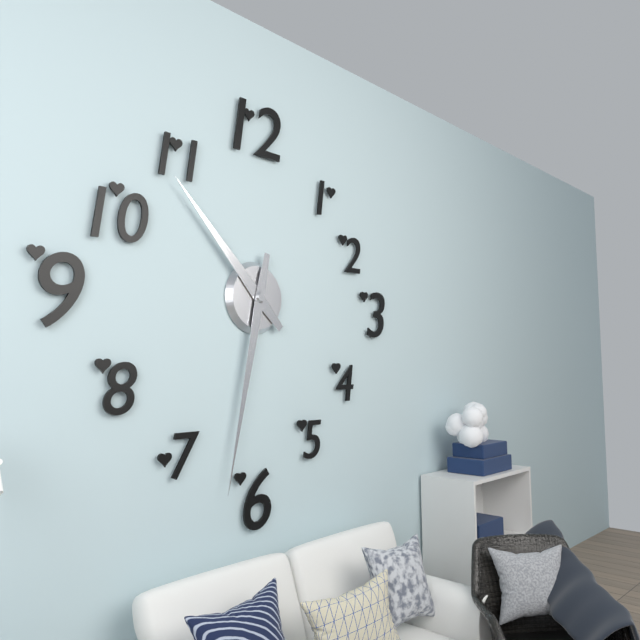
10:32
